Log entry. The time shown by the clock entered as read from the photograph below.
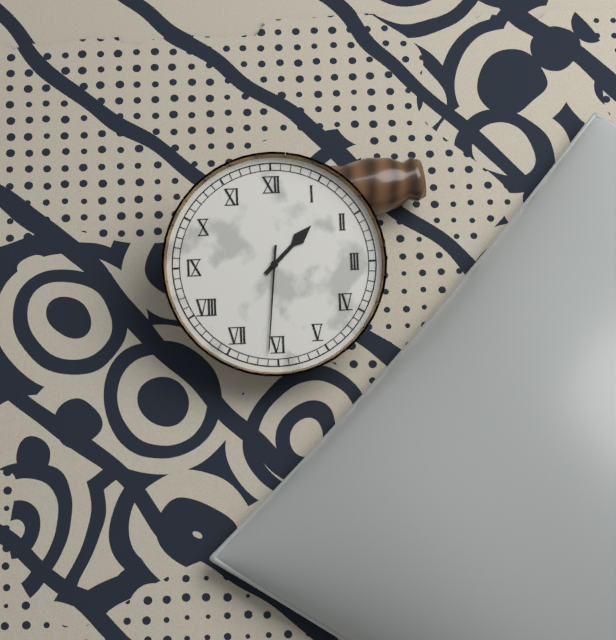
1:31
